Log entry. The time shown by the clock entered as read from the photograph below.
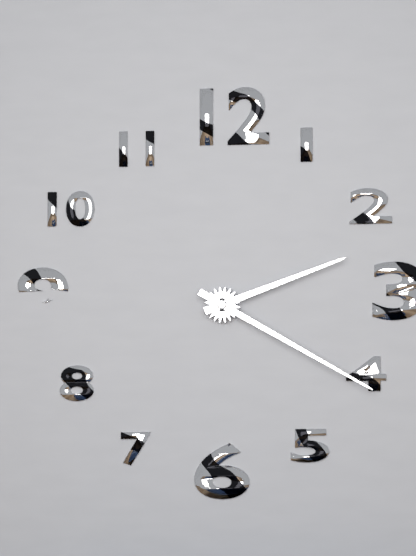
2:20
